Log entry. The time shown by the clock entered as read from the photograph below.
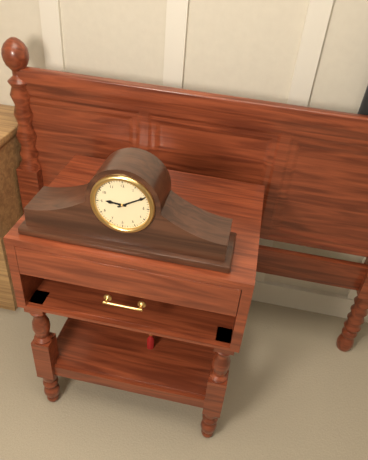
9:10
